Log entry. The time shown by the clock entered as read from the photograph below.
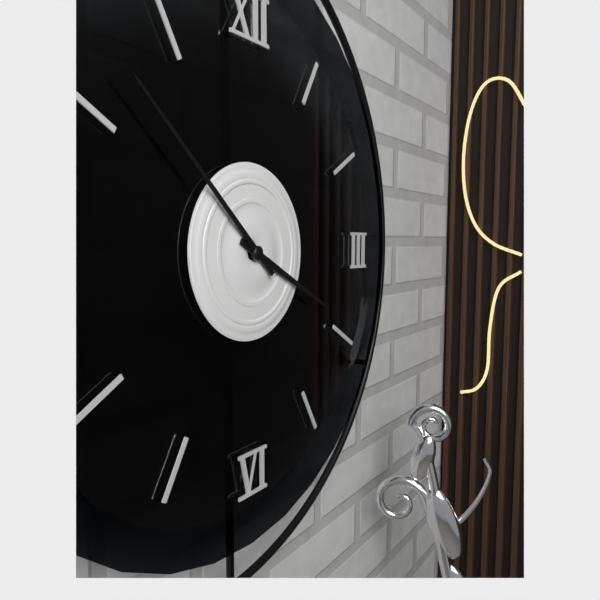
3:52
